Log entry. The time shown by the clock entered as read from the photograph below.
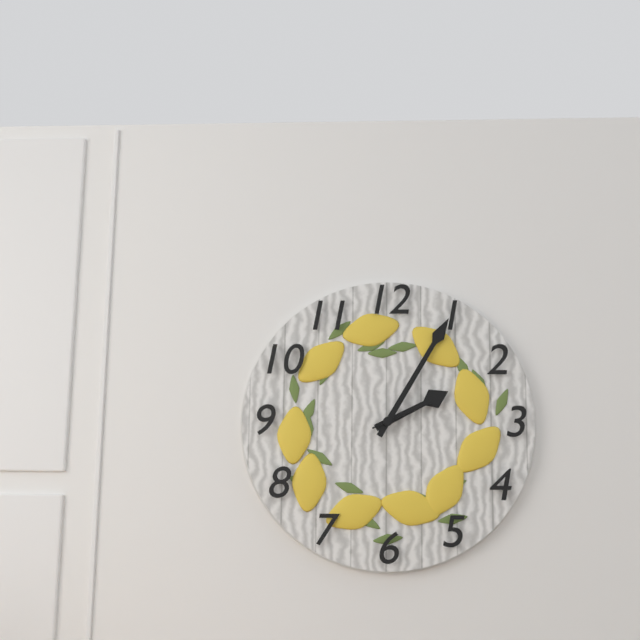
2:05:11
